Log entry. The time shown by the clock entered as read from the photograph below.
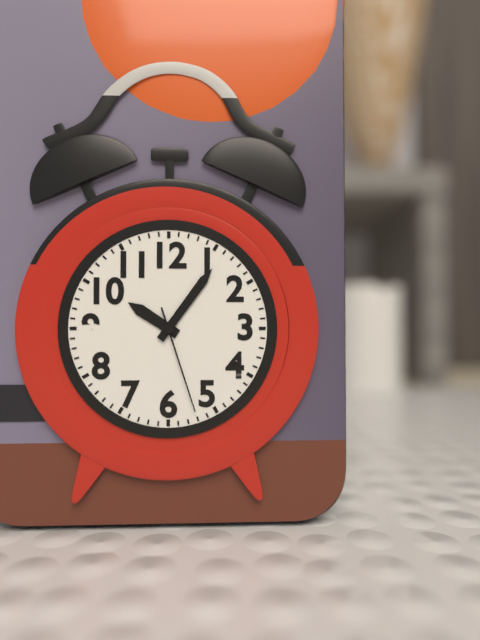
10:06:27
